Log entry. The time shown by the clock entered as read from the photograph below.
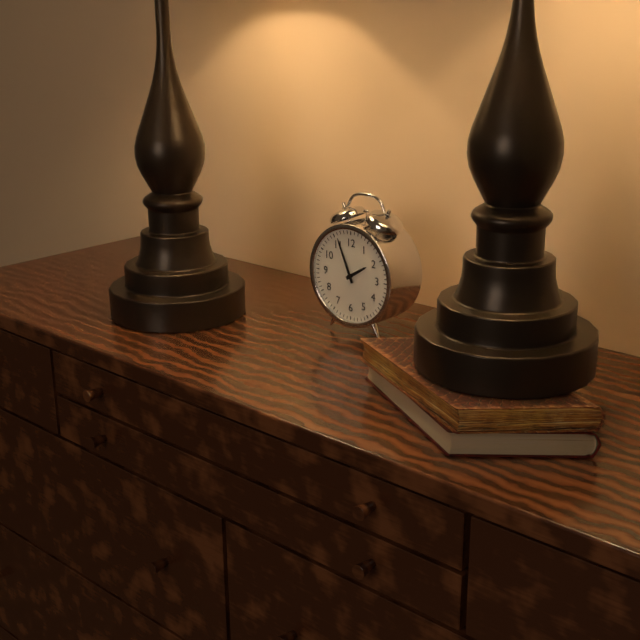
1:56
